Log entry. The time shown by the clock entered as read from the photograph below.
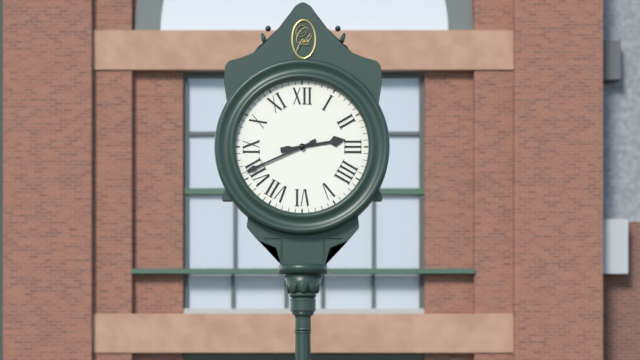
2:41
